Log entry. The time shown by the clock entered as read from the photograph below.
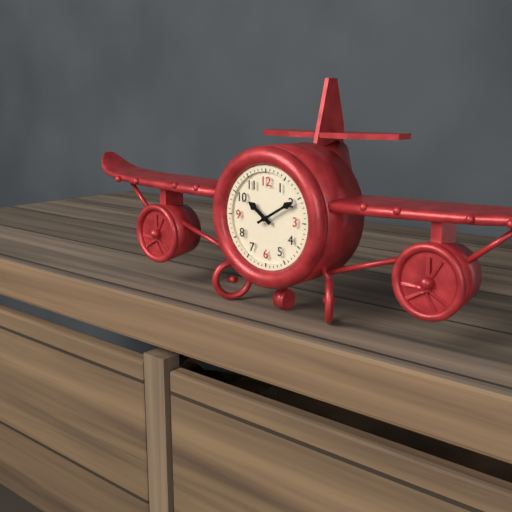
10:10
